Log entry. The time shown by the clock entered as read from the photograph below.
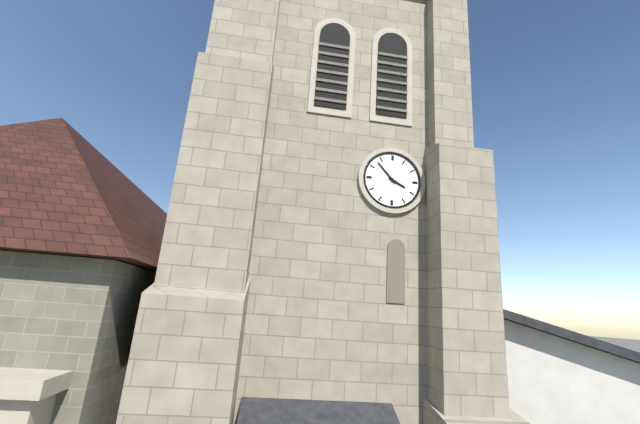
3:53
